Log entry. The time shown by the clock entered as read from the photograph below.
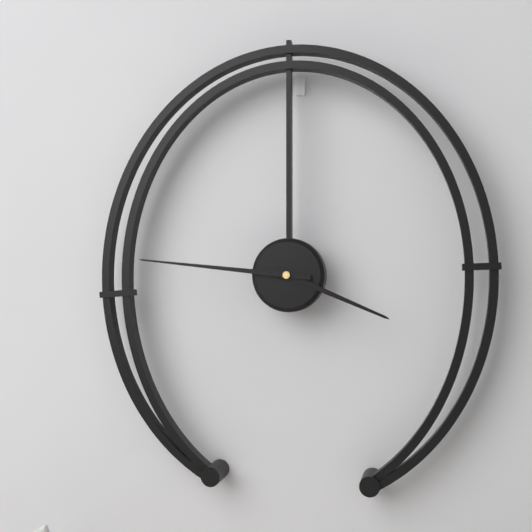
3:46
